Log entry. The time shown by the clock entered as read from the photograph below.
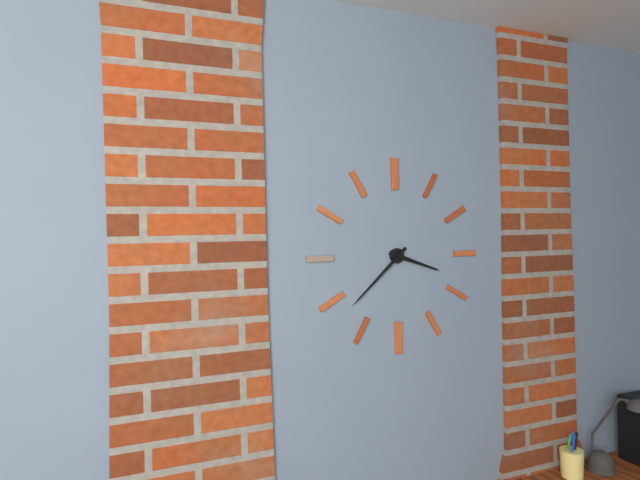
3:38
